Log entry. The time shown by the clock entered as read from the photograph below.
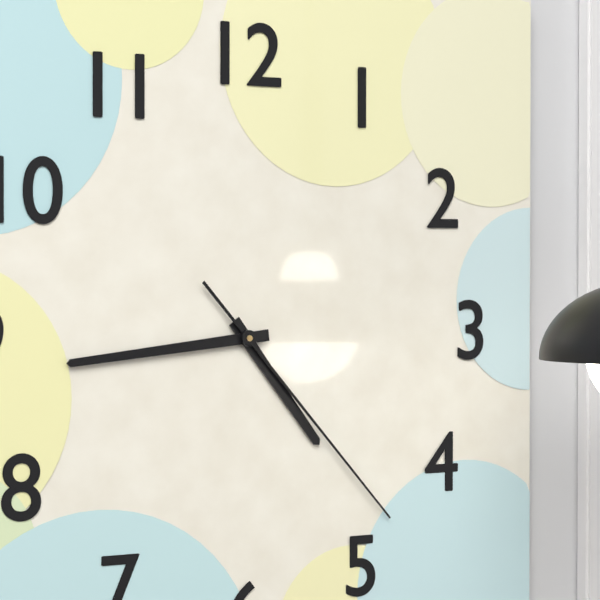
4:44:23
